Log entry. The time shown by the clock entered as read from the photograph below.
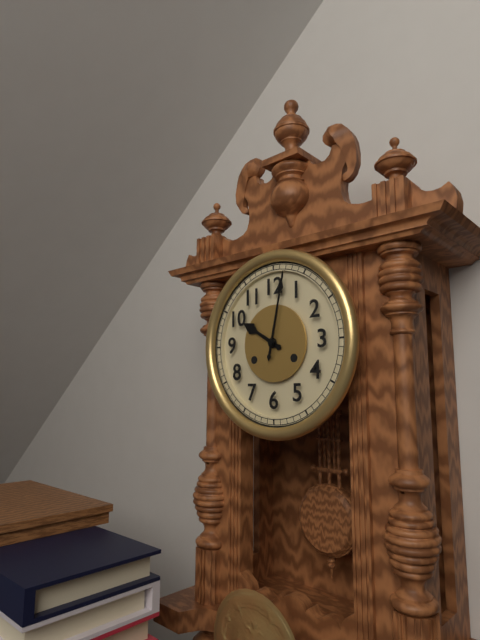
10:02
